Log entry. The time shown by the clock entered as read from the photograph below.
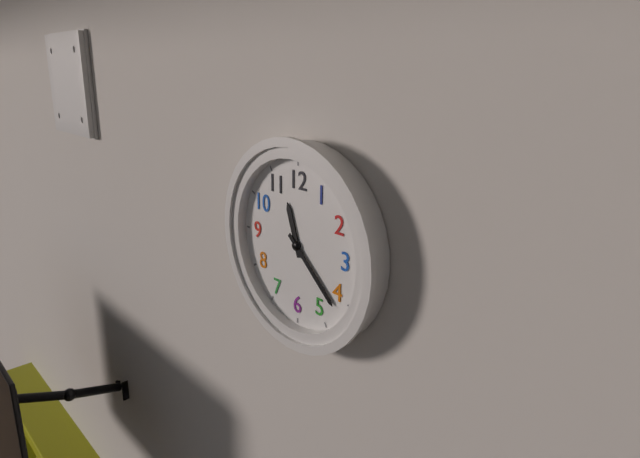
11:22
